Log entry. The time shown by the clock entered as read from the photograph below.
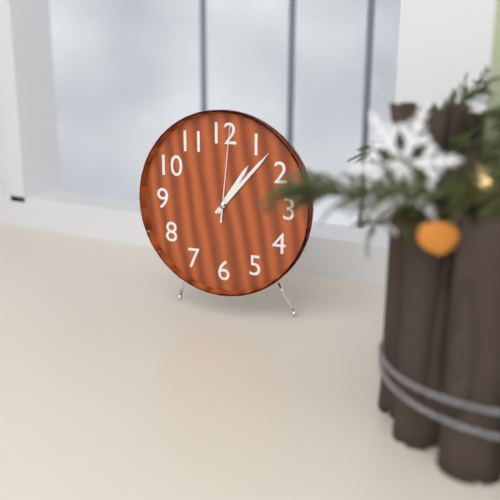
1:07:01
